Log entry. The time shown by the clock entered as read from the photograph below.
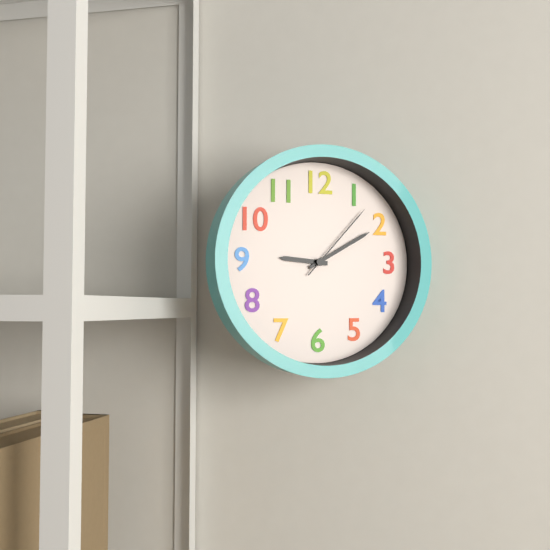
9:10:07
